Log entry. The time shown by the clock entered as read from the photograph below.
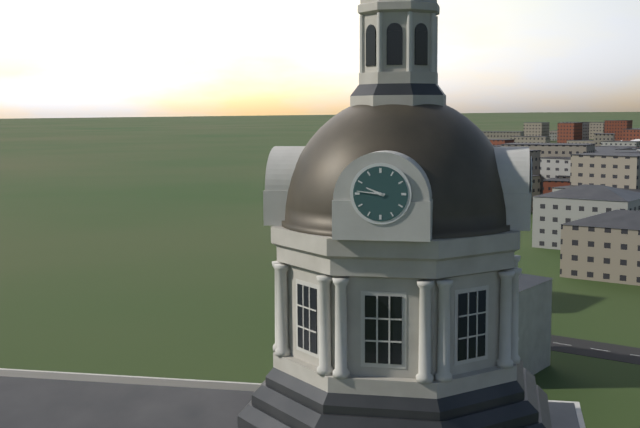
9:46
